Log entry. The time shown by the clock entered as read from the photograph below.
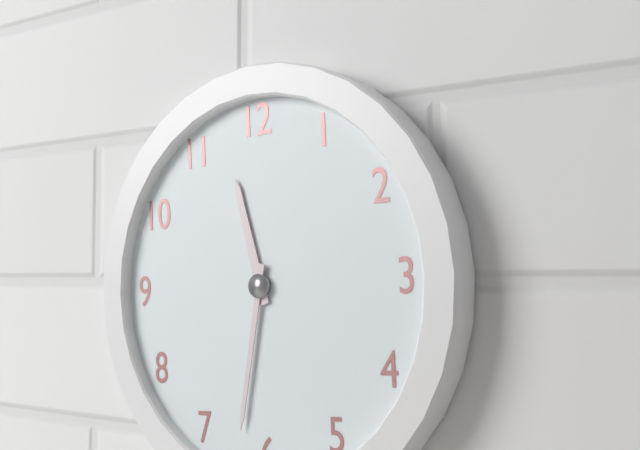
11:32
